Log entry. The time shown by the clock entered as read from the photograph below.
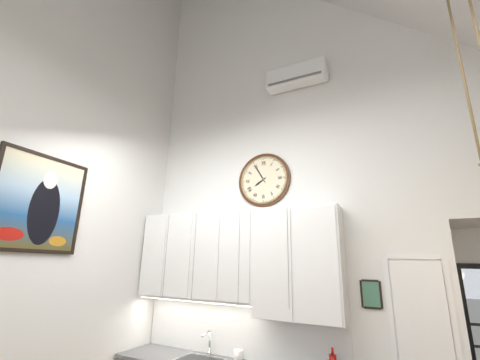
7:55
